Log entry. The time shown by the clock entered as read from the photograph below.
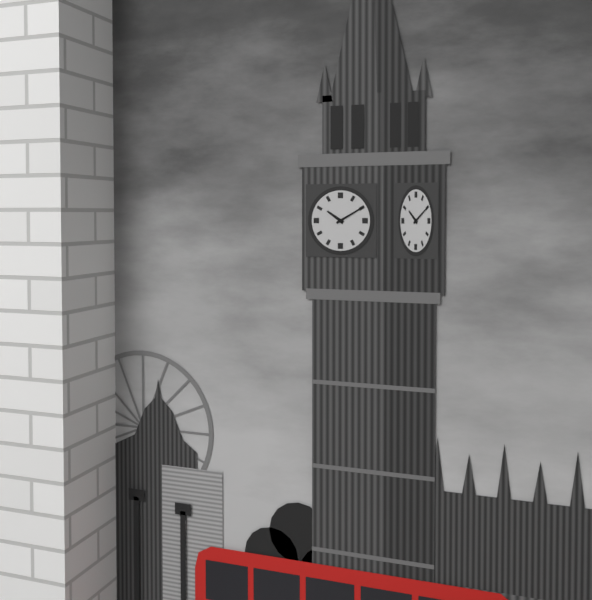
10:10
